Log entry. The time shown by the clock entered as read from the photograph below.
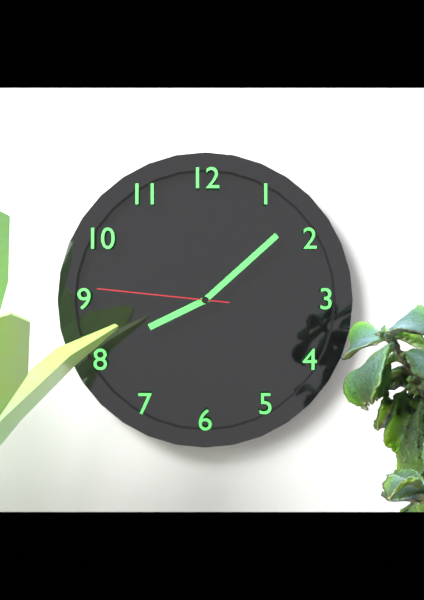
8:08:46
